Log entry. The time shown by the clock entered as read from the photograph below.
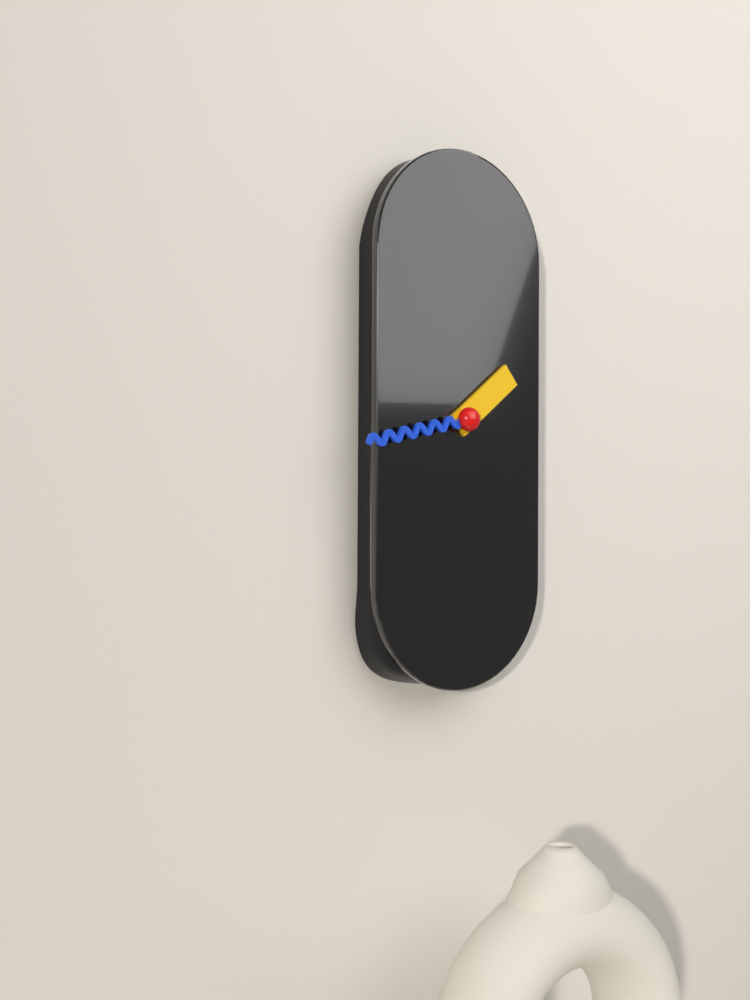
1:43
